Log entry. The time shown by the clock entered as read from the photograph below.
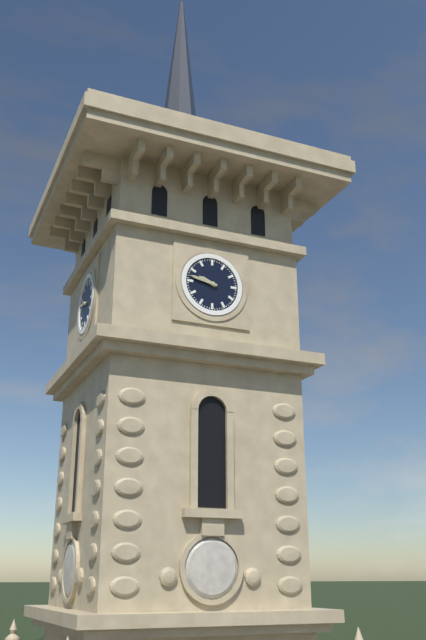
9:47
